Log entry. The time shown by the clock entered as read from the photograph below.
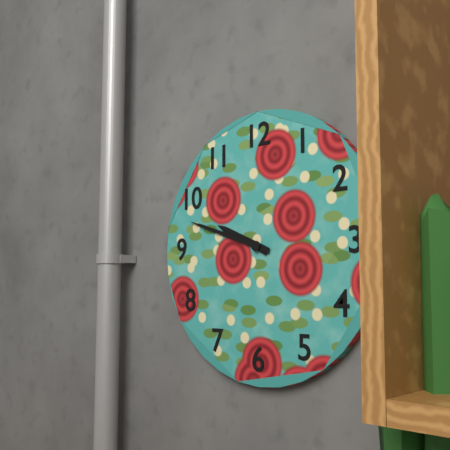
9:48
